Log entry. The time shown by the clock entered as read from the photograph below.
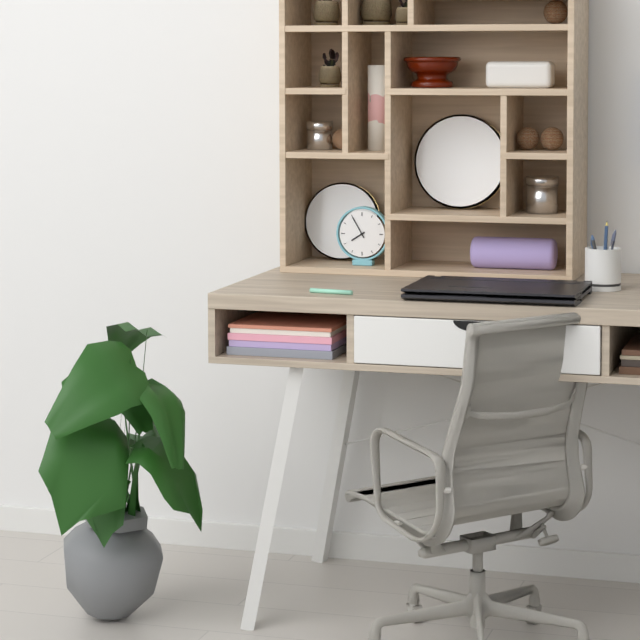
7:55
